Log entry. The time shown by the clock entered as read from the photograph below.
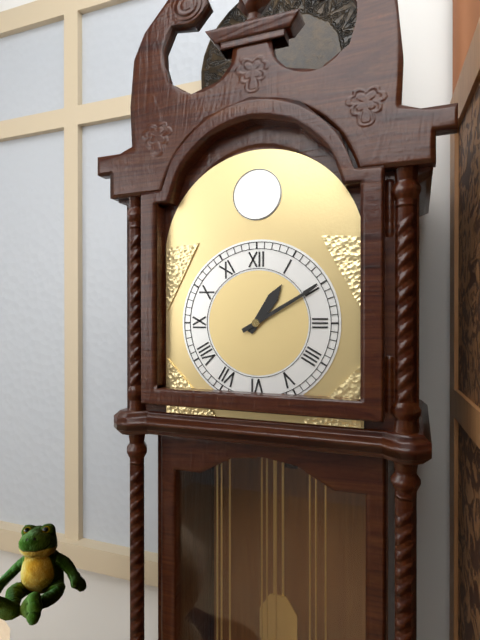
1:10
